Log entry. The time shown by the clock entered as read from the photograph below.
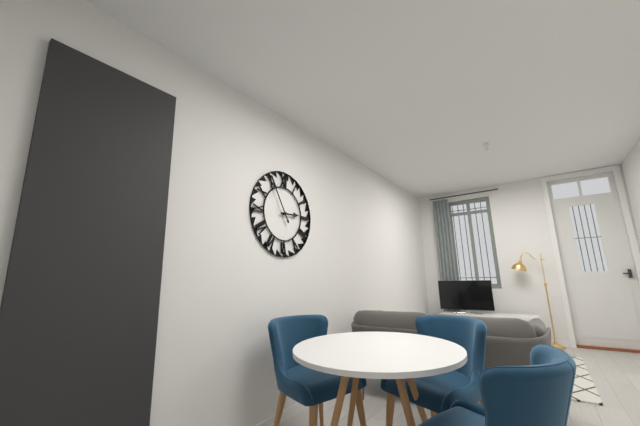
2:55
